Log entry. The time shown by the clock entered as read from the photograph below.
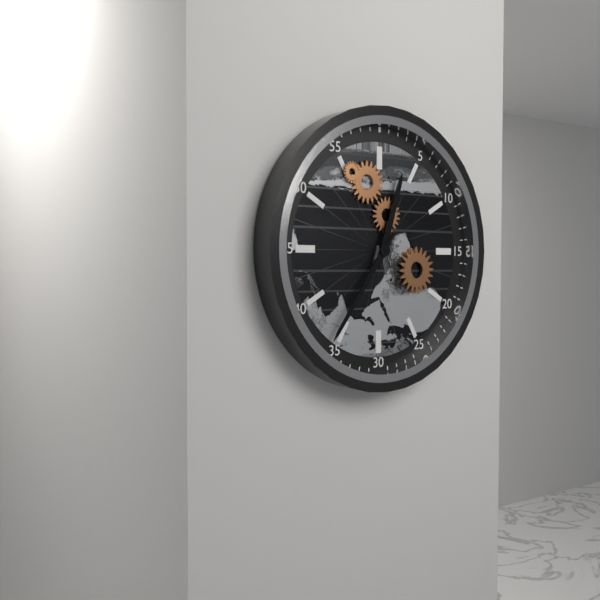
12:36
